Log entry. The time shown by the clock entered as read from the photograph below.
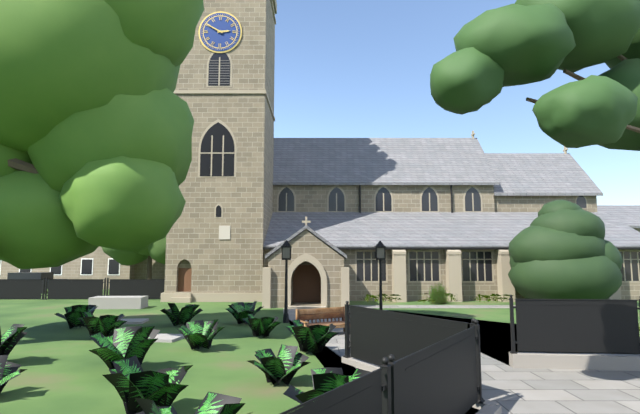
2:50
